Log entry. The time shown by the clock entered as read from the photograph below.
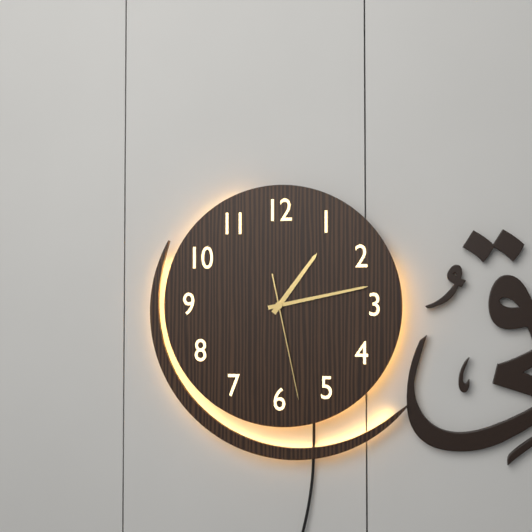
1:13:28
